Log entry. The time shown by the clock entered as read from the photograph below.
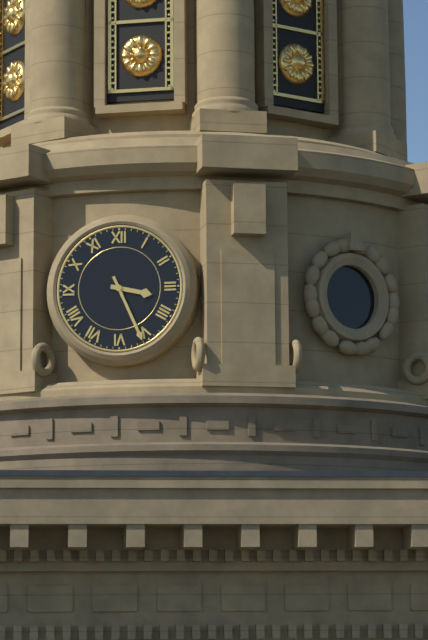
3:26
